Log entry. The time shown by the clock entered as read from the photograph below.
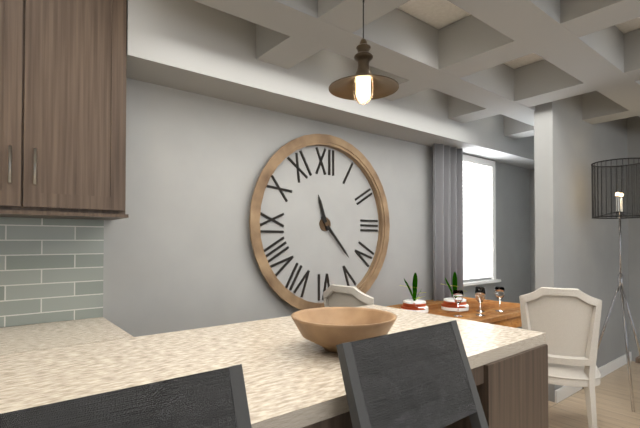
11:23
